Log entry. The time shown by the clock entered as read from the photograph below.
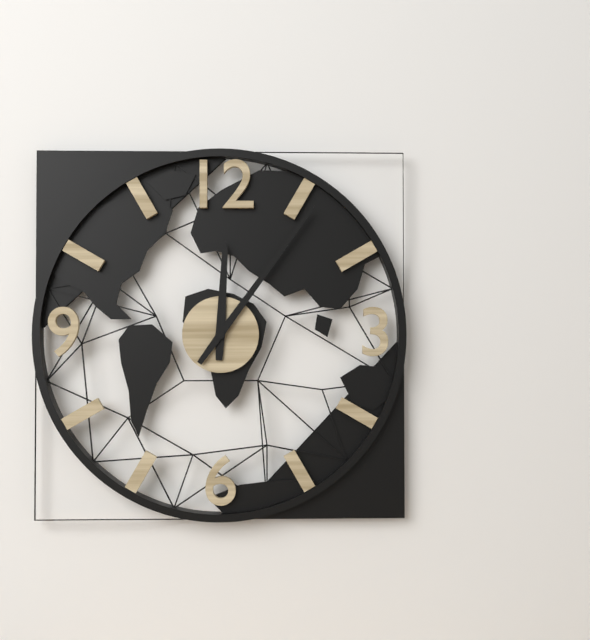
12:06
